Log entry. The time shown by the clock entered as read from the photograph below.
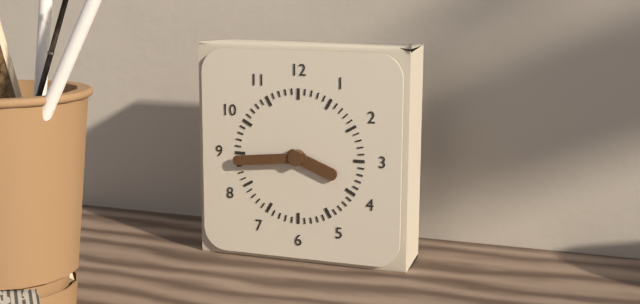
3:44
